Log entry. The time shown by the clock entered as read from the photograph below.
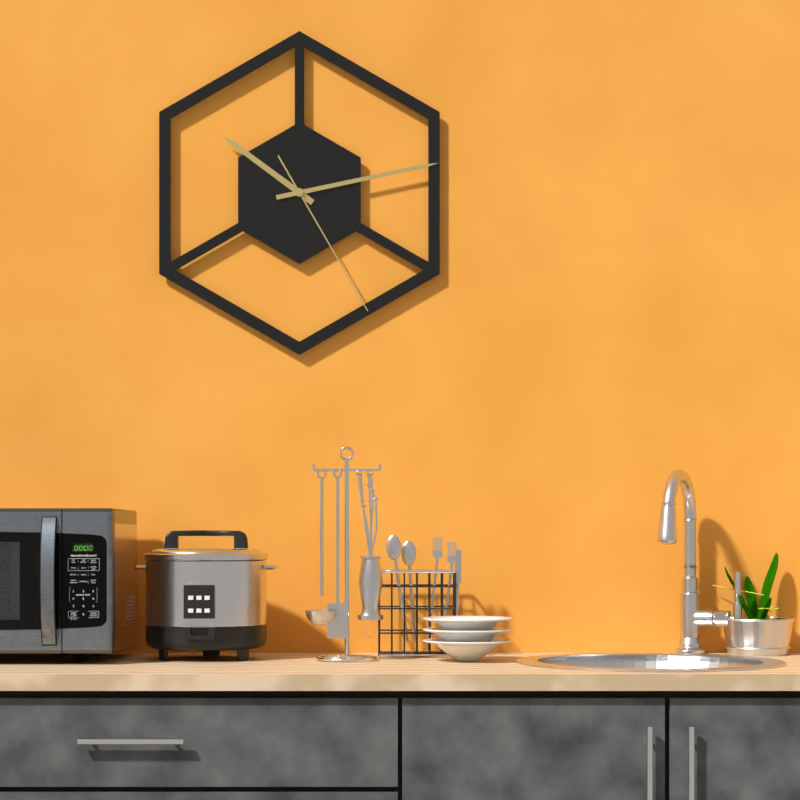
10:13:25
